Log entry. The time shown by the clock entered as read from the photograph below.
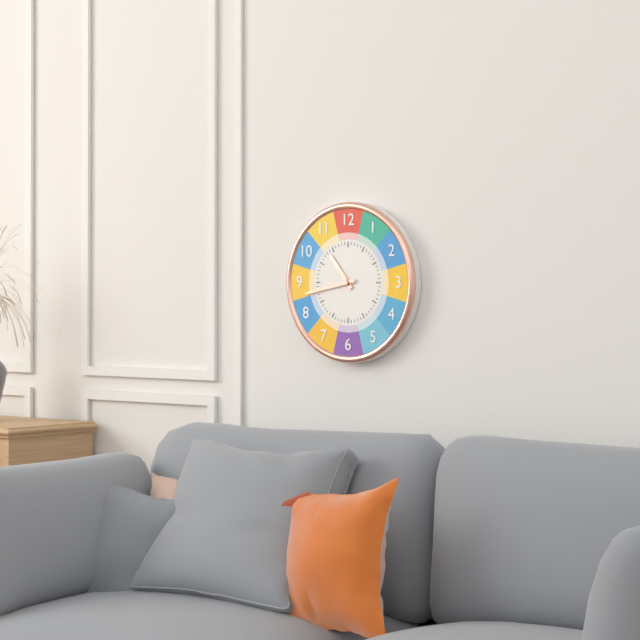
10:43
